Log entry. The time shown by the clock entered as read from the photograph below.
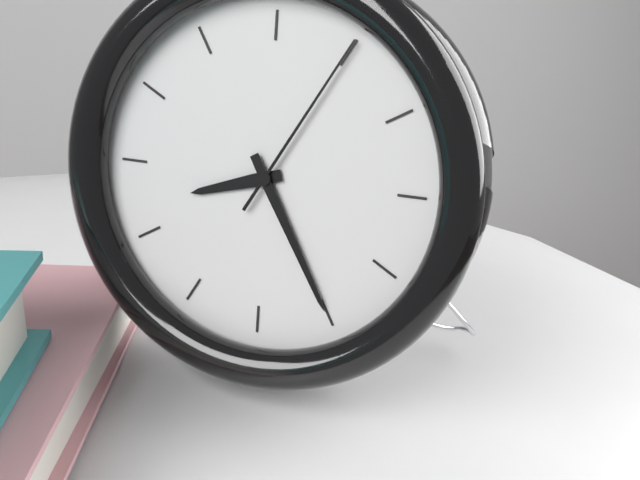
8:25:05
